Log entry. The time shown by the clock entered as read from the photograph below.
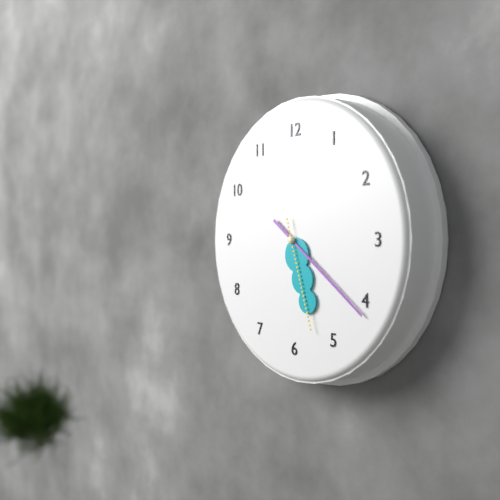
5:21:27
